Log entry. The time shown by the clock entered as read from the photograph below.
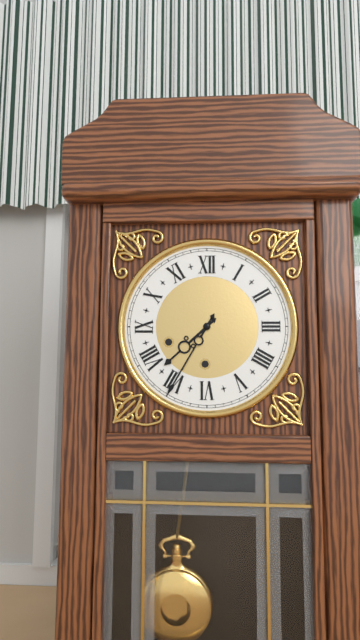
7:35
